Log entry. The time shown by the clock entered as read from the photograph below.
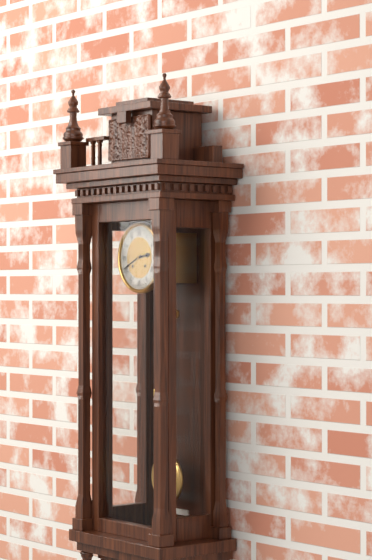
2:41
